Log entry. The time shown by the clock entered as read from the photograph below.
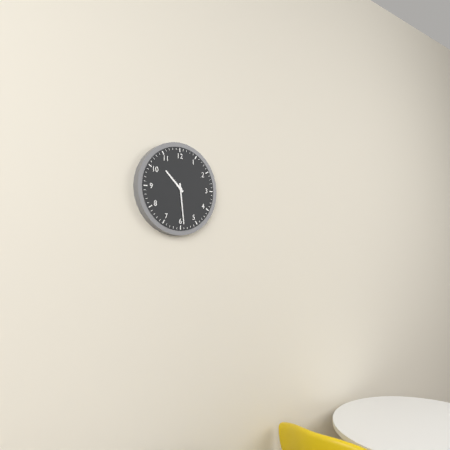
10:29
